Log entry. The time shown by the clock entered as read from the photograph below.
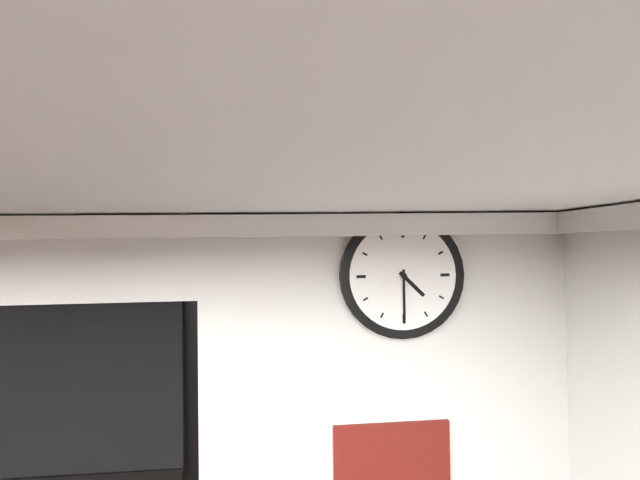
4:30
